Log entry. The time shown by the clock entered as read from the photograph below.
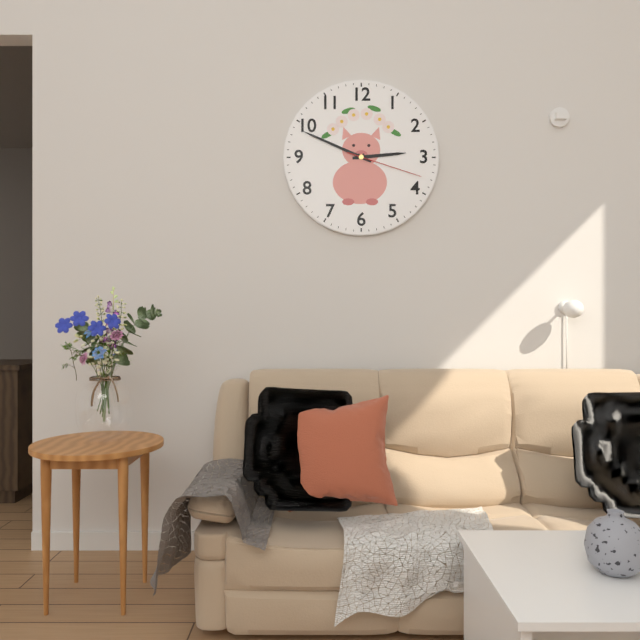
2:49:18
